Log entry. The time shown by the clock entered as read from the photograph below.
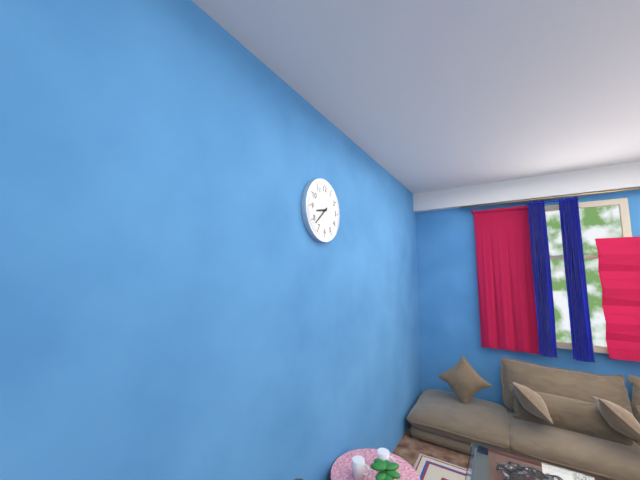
8:38
